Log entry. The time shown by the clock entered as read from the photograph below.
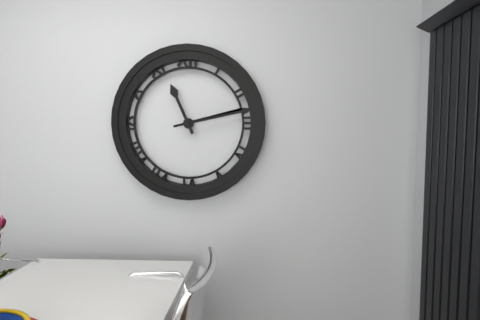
11:13
